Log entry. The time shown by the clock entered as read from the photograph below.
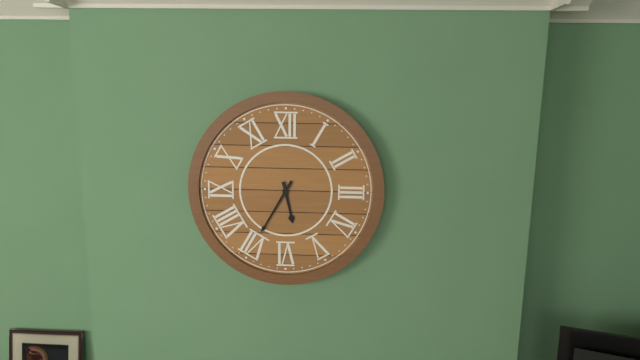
5:35
